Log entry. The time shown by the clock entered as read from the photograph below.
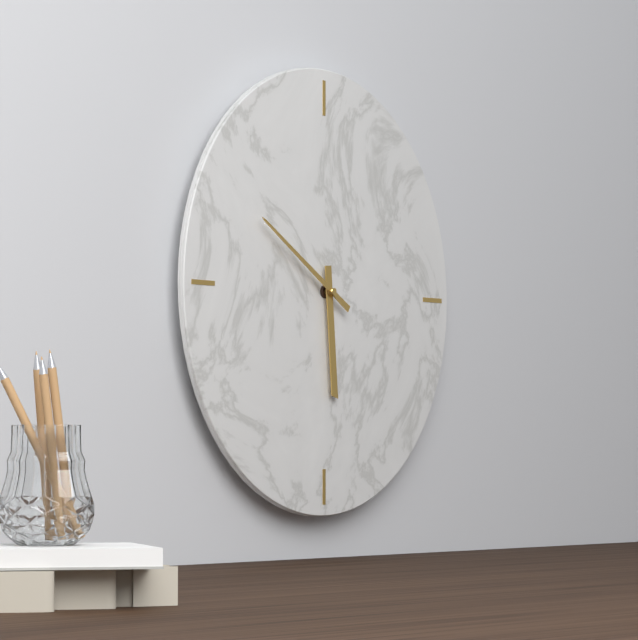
5:50
